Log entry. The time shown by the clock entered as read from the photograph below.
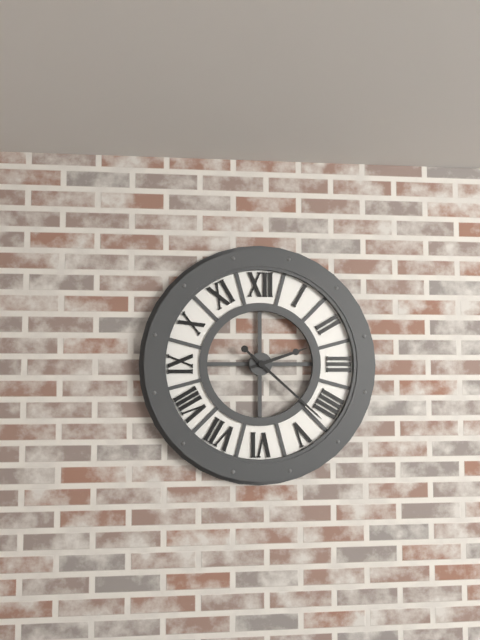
2:22
